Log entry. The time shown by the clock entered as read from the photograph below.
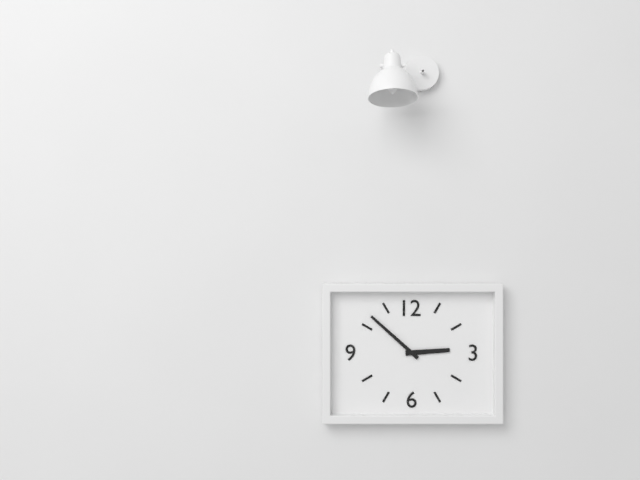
2:52
